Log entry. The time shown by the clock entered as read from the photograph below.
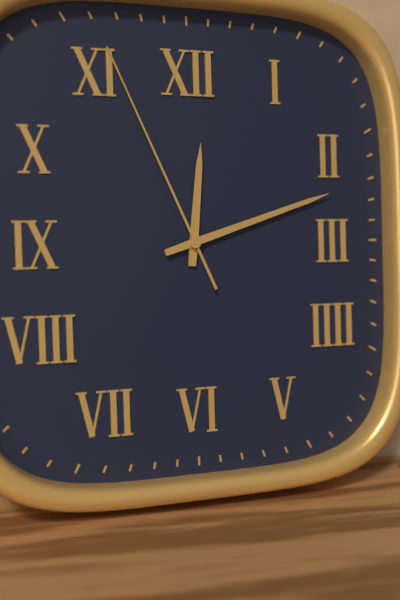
12:12:56
